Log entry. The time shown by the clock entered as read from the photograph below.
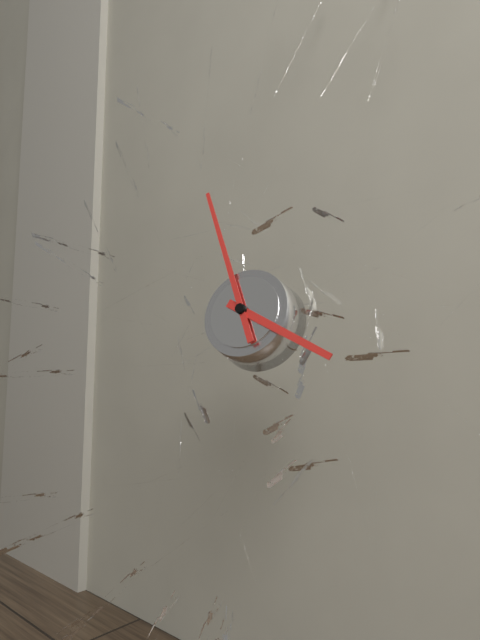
3:56
